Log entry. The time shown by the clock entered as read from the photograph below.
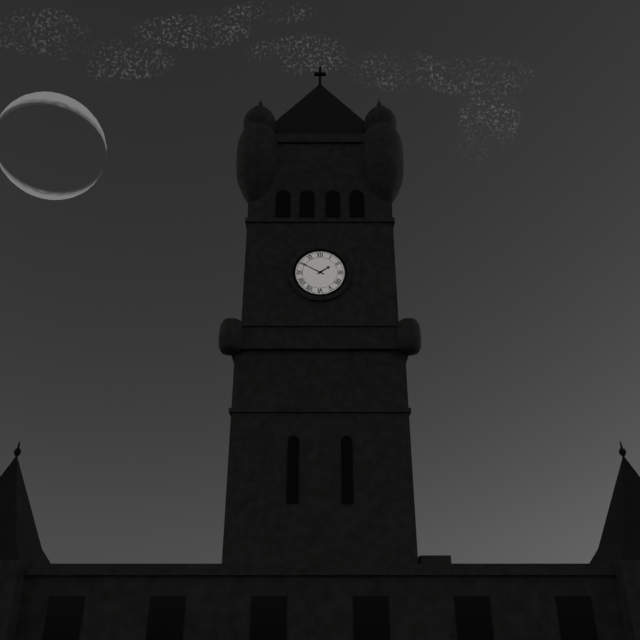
1:50
